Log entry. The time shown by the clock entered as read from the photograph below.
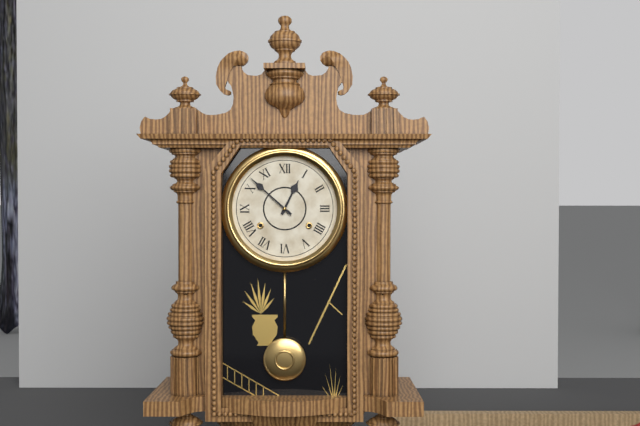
12:52
